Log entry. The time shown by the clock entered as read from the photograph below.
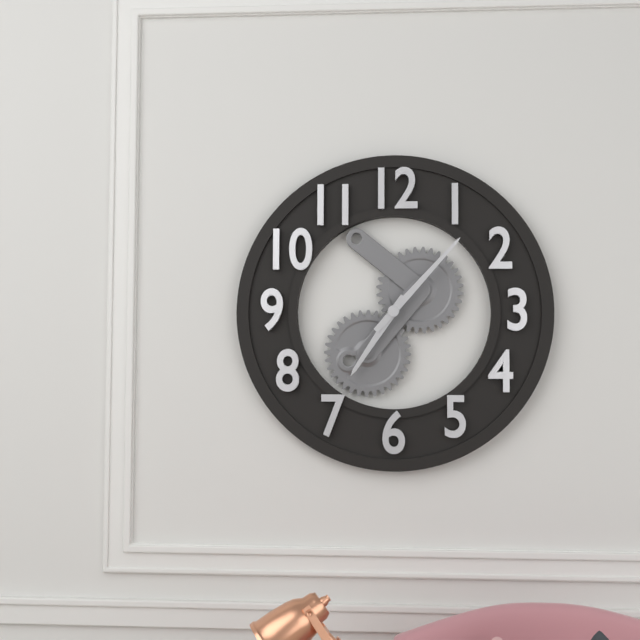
7:07
